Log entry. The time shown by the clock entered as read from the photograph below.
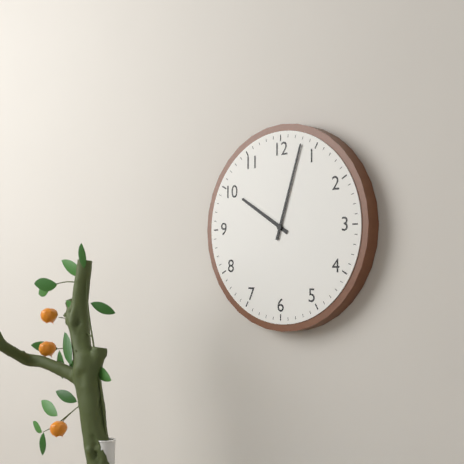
10:03
